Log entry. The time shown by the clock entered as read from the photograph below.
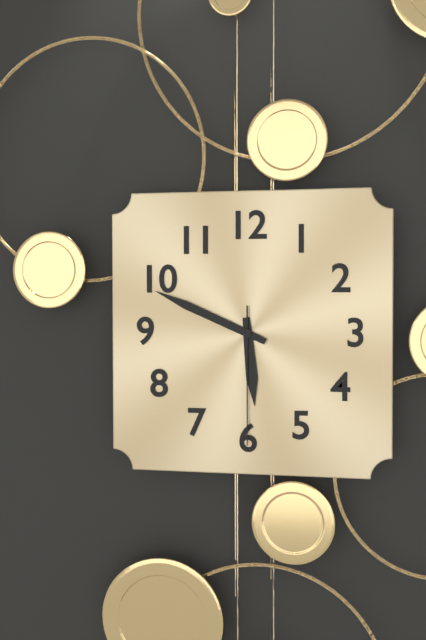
5:49:30
